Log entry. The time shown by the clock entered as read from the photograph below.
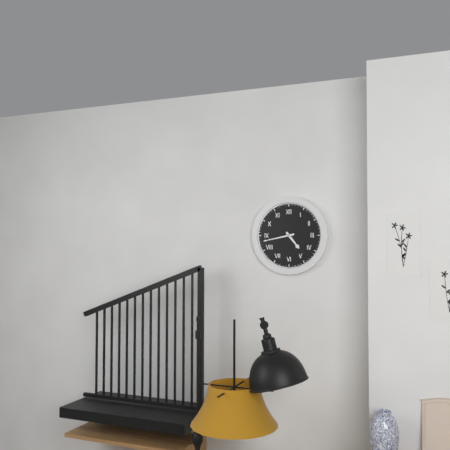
4:43
